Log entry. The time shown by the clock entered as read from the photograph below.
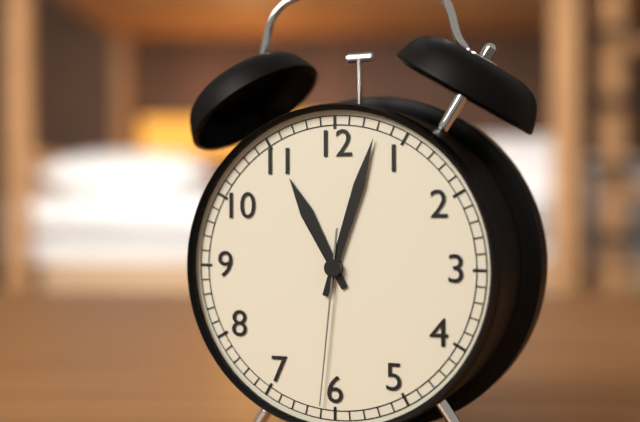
11:03:31
